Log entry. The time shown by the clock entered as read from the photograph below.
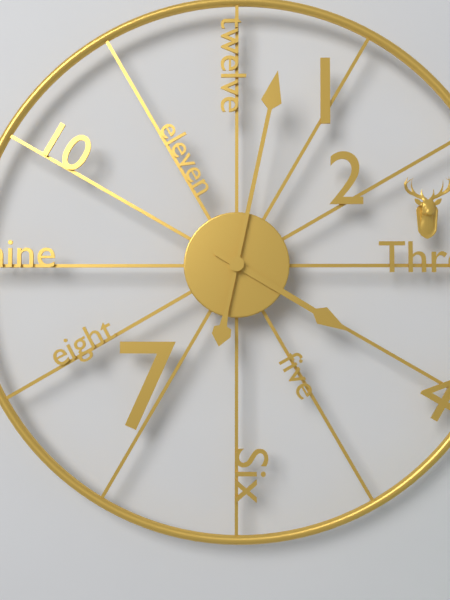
4:02
